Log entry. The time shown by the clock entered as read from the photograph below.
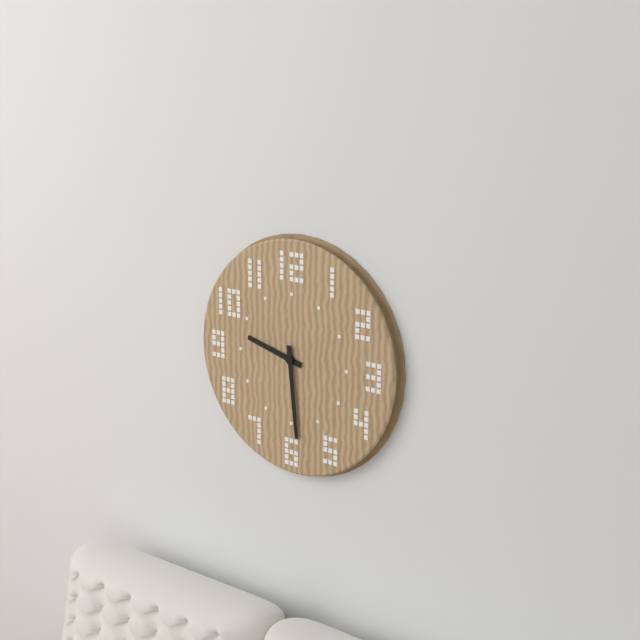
9:29
